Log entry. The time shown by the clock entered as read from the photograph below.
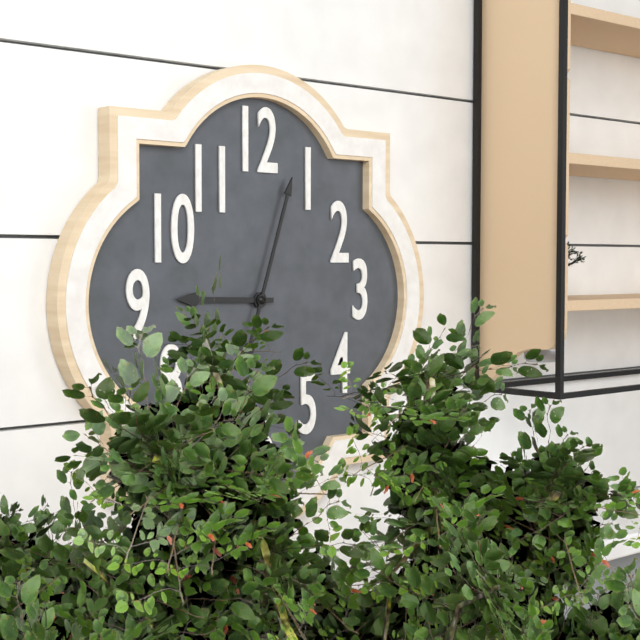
9:03
